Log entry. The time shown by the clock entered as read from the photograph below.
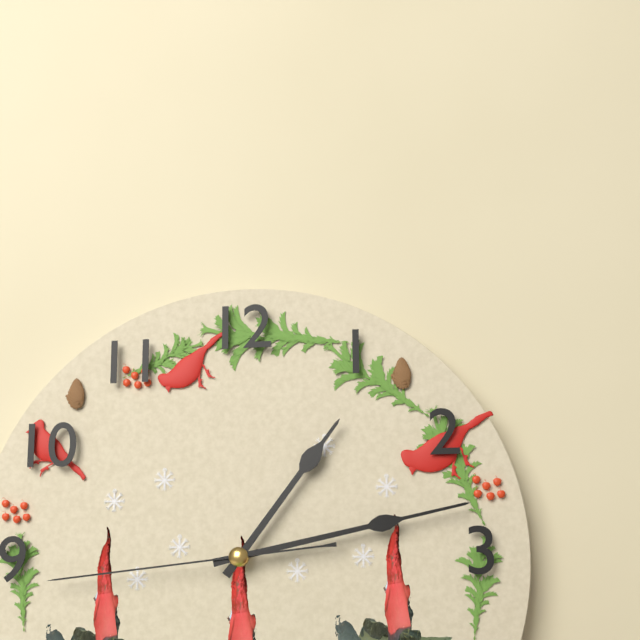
1:13:44
